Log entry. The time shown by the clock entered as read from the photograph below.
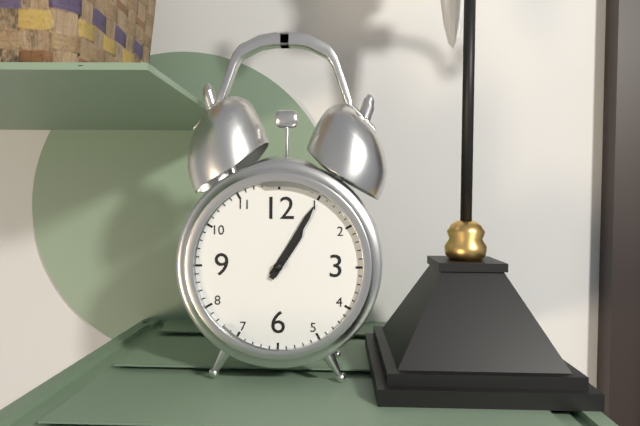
1:05
